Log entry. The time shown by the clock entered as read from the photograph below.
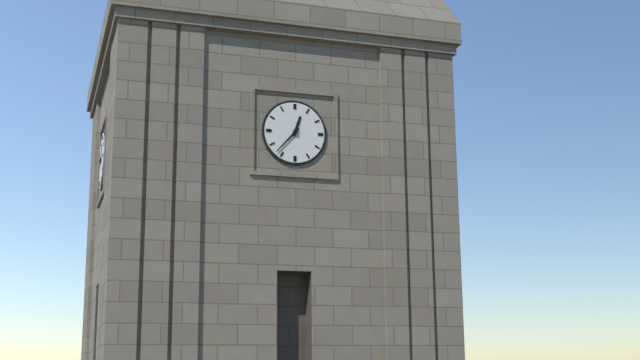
12:37
